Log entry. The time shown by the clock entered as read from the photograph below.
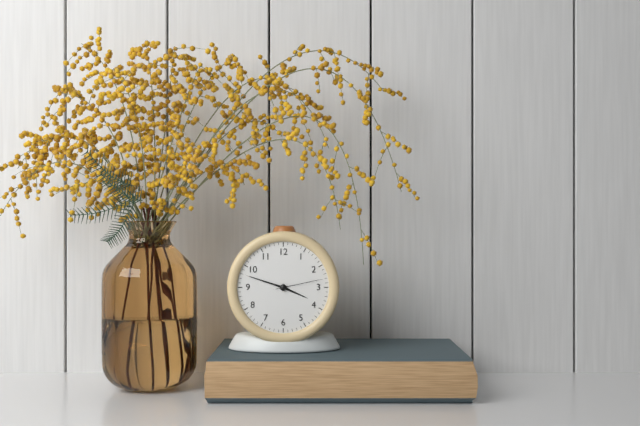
3:48:13
